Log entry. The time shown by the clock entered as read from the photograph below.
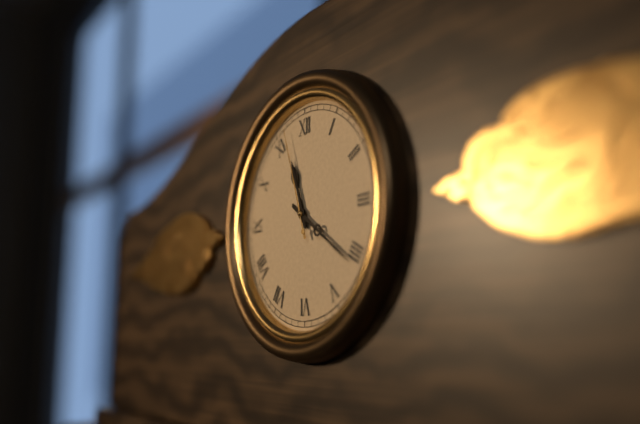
11:21:57
